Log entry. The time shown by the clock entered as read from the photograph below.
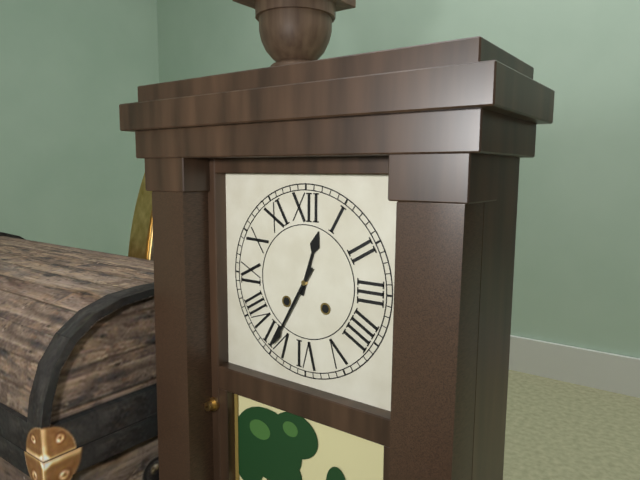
12:35
